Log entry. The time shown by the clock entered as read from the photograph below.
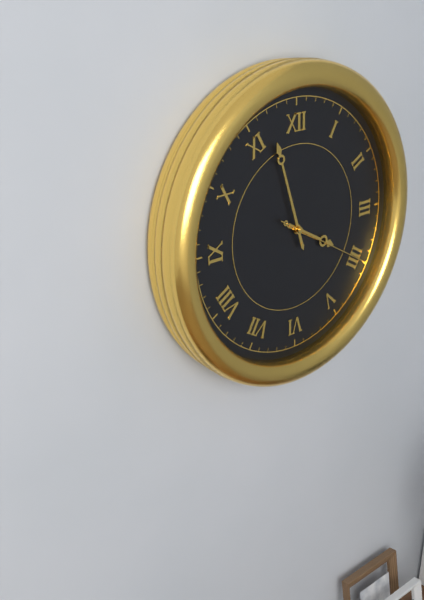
3:57:20
